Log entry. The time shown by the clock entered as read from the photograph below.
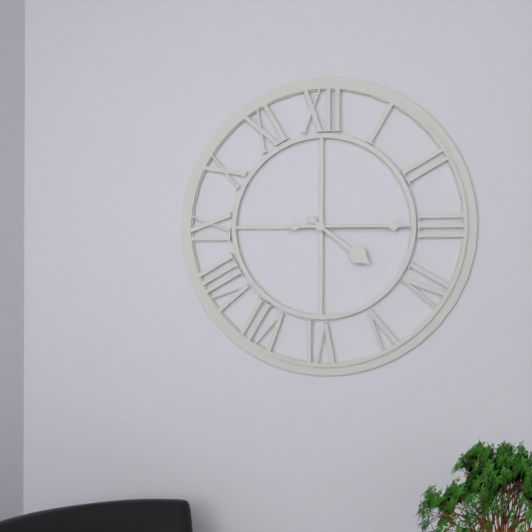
4:15
